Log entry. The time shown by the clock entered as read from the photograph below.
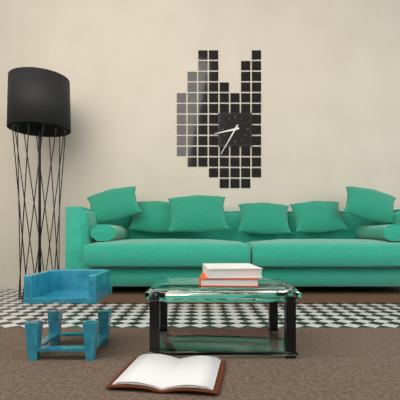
8:35
